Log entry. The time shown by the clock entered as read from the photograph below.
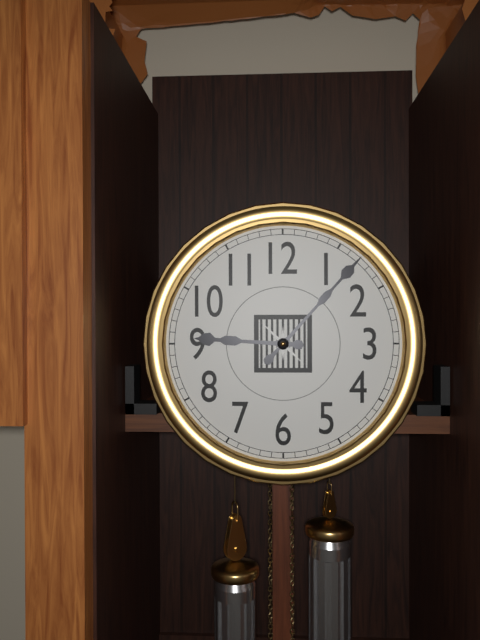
9:07
